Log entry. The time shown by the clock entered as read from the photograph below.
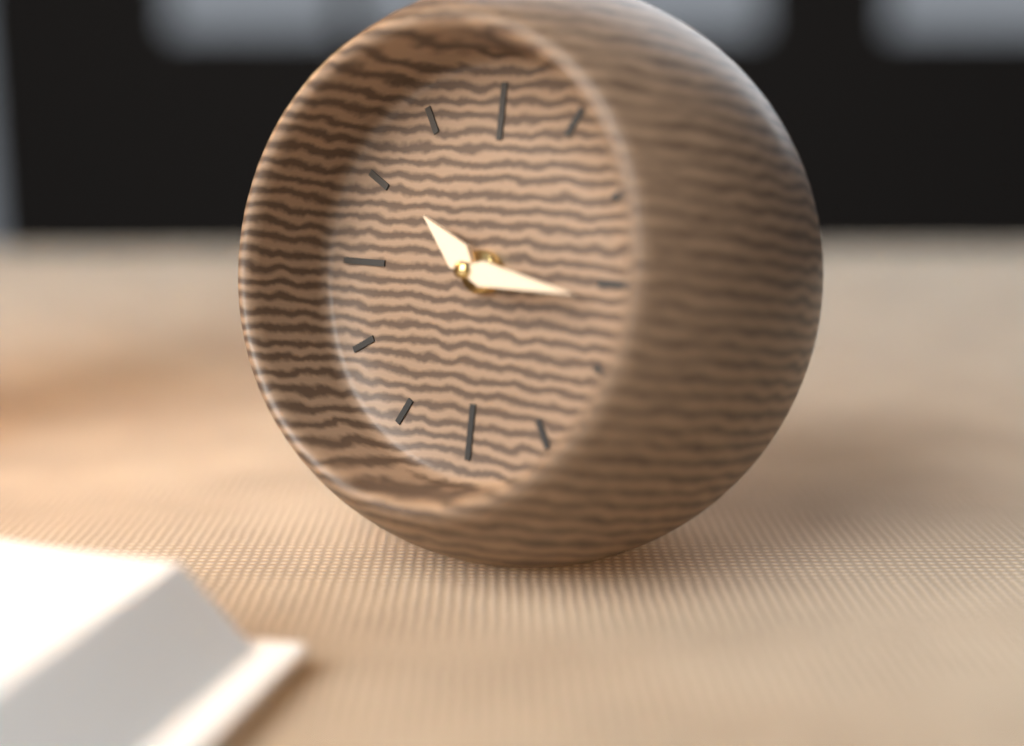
10:16
